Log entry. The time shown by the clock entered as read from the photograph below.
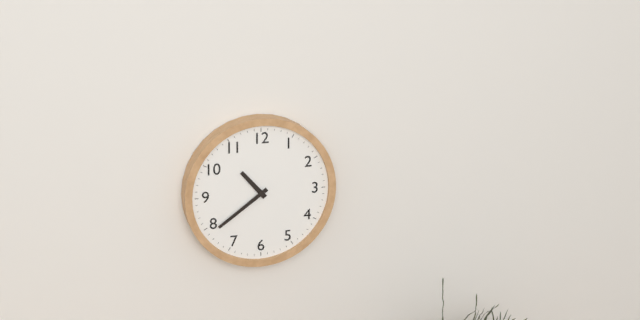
10:39
